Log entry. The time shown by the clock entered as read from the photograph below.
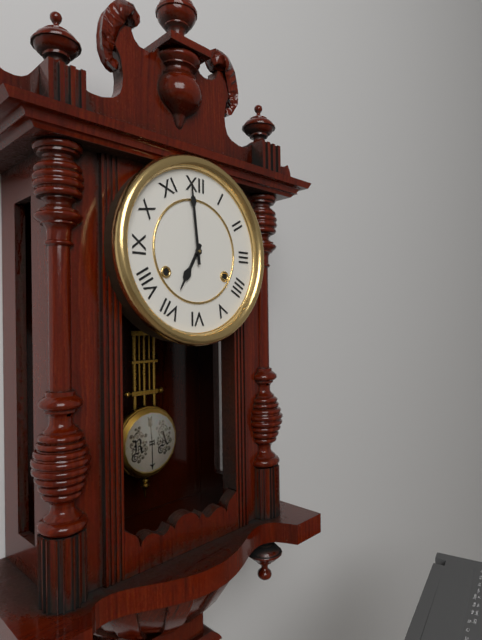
6:59
